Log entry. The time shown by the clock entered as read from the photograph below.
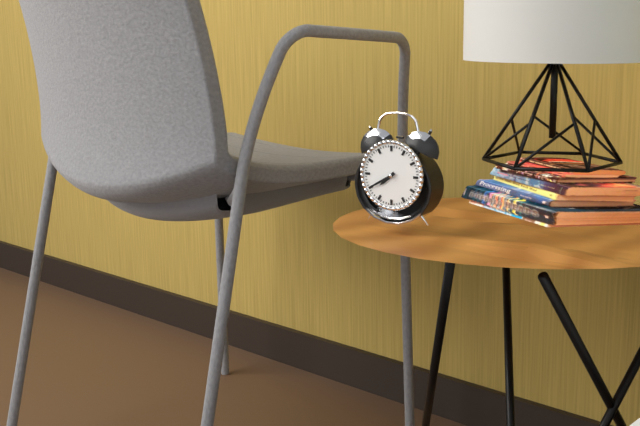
7:40
